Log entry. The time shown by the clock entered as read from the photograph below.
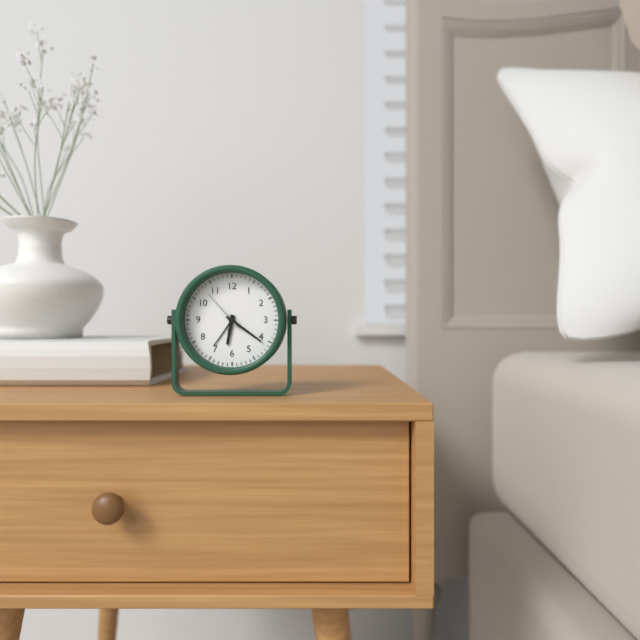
6:21
